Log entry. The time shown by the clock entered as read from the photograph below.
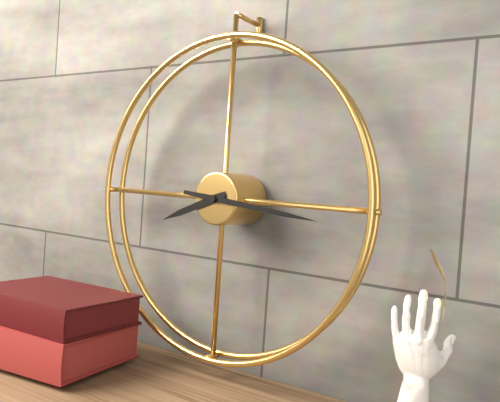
8:16
